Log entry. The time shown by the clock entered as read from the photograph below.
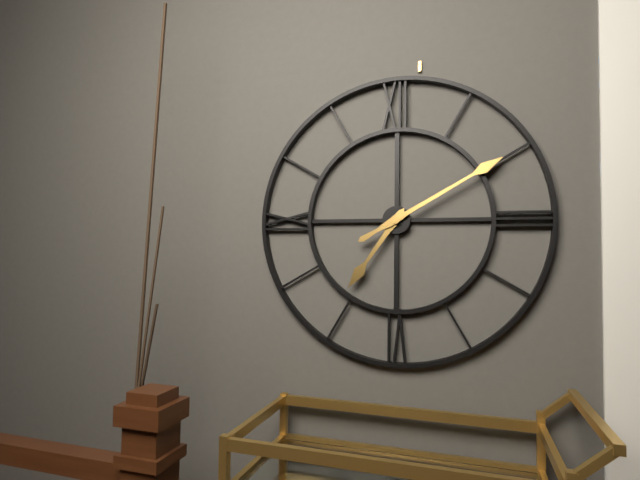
7:10
